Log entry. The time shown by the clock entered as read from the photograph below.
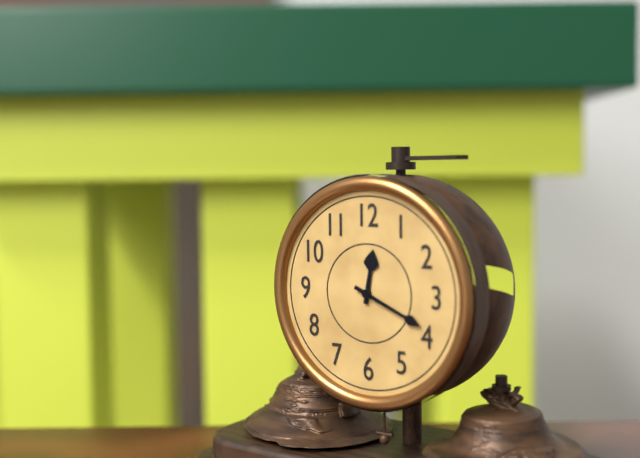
12:19
